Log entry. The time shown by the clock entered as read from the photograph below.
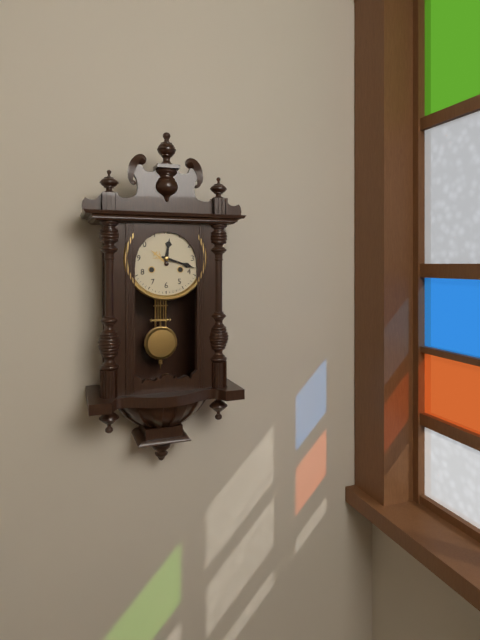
12:18
